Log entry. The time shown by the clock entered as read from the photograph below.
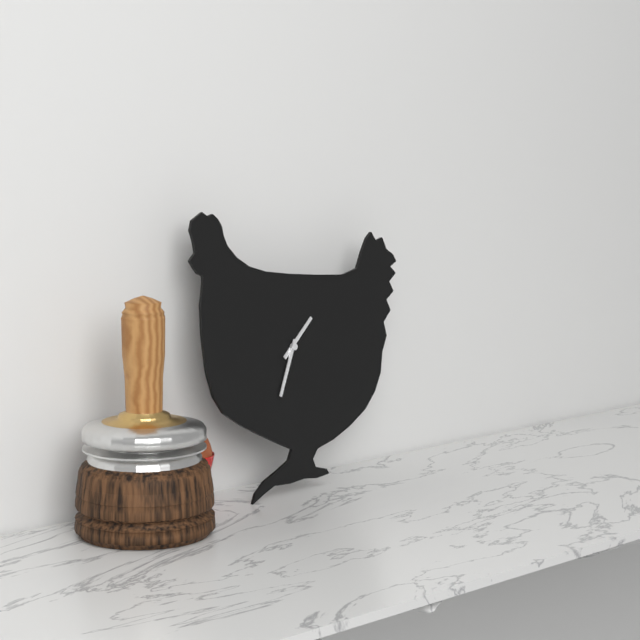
1:34
